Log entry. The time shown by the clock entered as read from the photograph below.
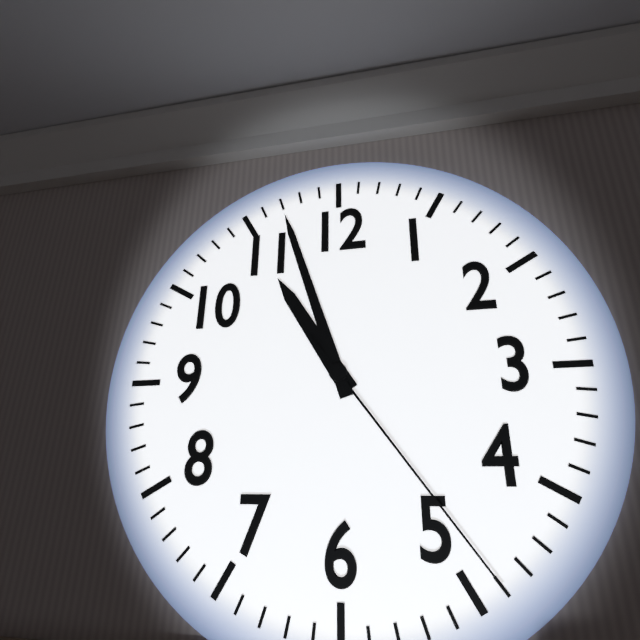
10:57:24
